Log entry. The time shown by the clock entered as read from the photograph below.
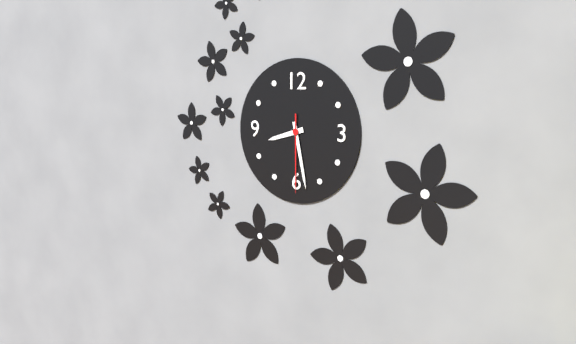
8:28:30
